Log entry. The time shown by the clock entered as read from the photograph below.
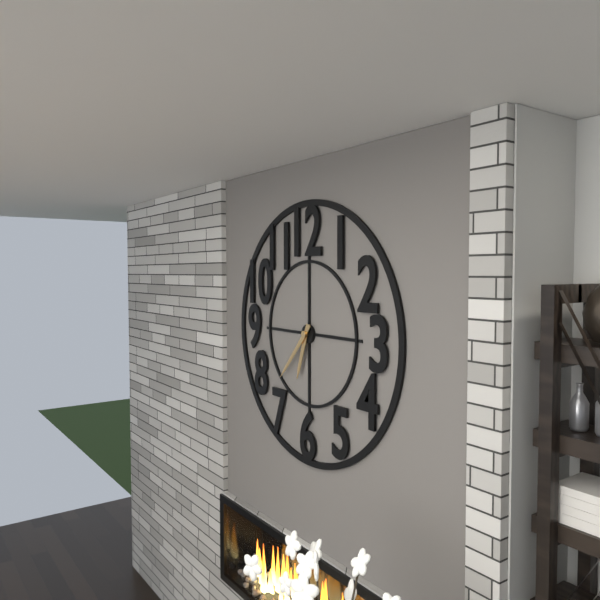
6:37
